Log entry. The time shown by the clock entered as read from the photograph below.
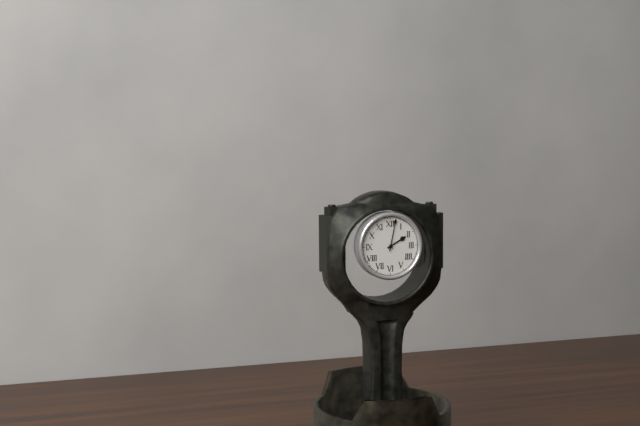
2:02
